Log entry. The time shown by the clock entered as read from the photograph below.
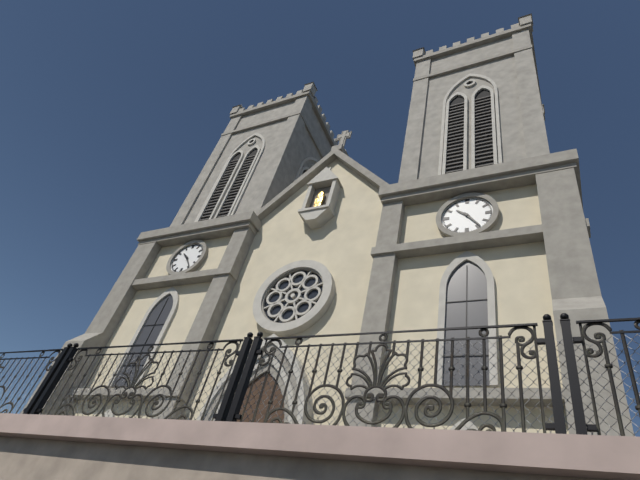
10:24
